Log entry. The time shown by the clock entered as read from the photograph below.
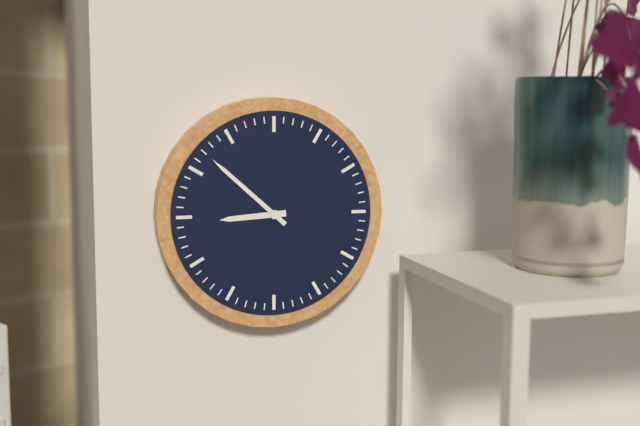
8:52
